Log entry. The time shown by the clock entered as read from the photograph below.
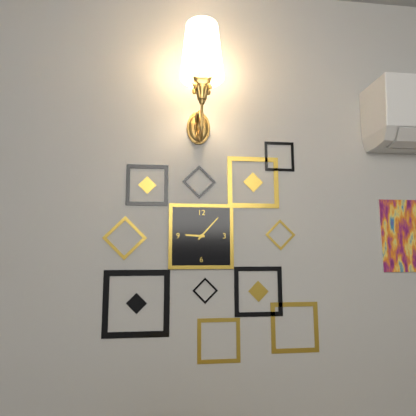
9:07
